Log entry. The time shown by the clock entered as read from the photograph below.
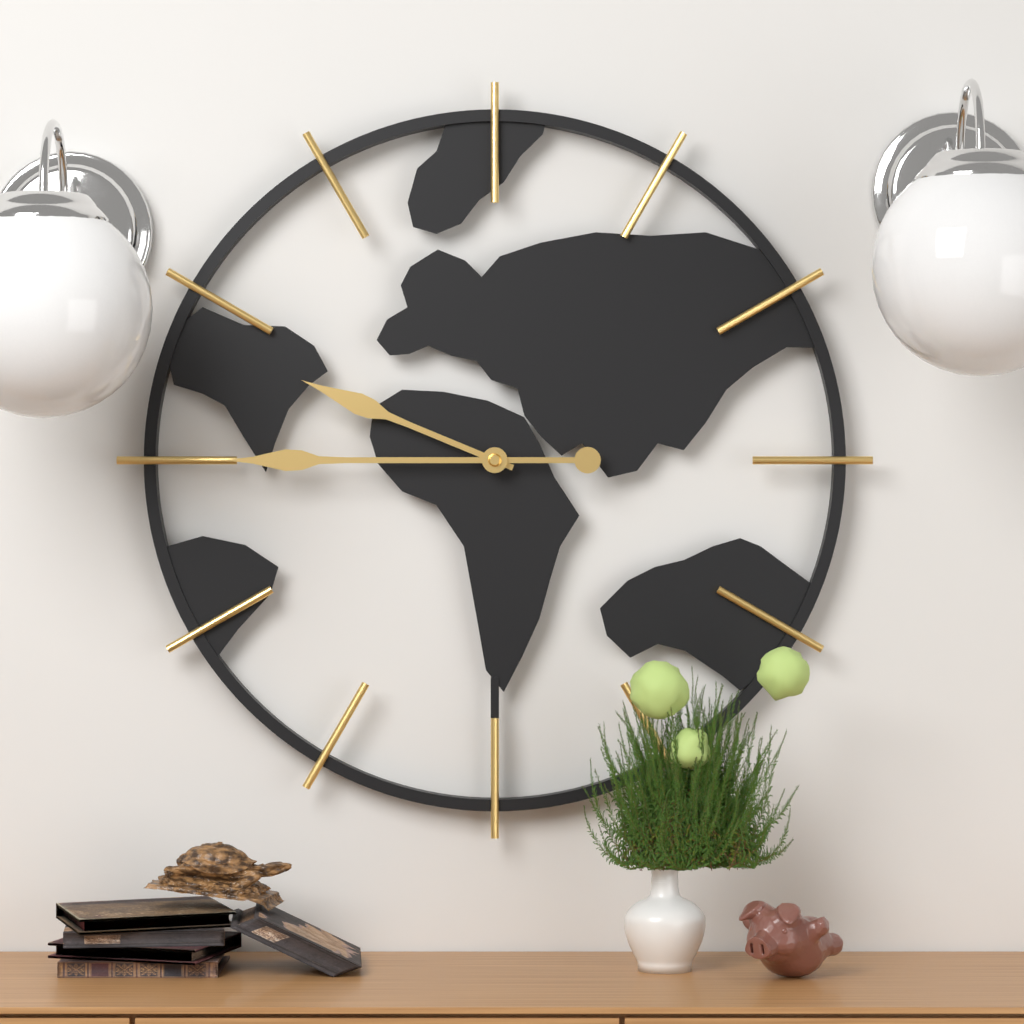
9:45
